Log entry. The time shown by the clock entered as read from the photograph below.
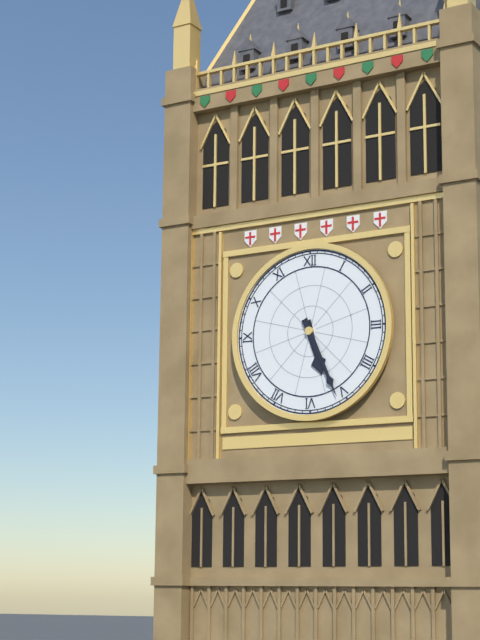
5:26
